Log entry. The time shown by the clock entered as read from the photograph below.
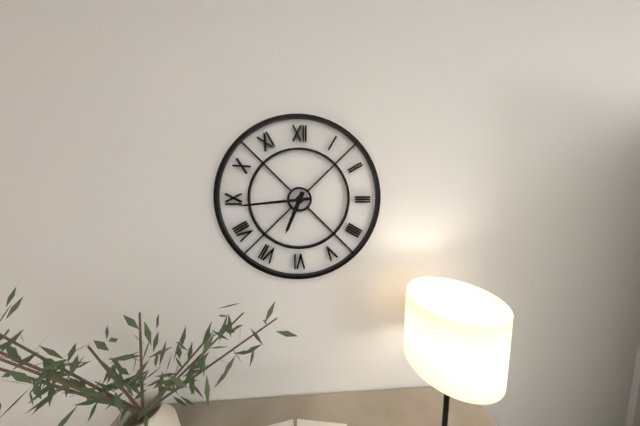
6:44
